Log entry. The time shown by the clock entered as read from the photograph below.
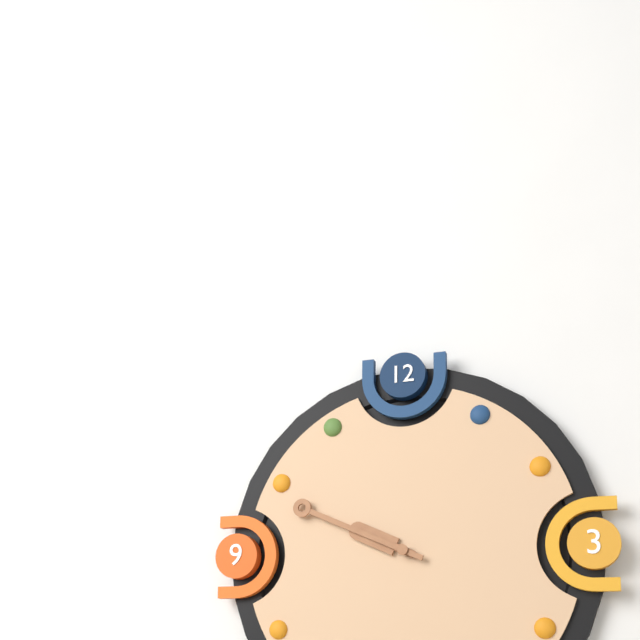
9:49
